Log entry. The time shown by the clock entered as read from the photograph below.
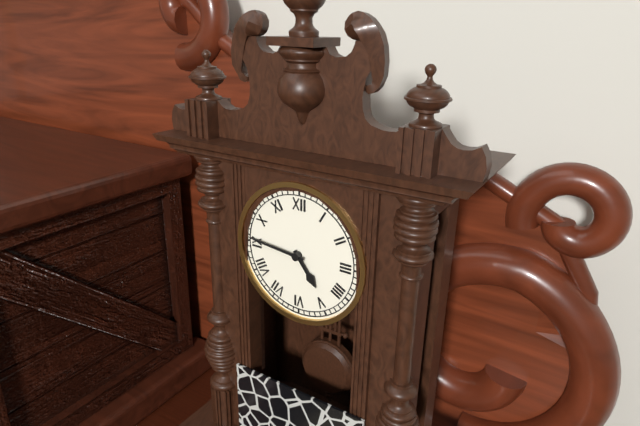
4:46
